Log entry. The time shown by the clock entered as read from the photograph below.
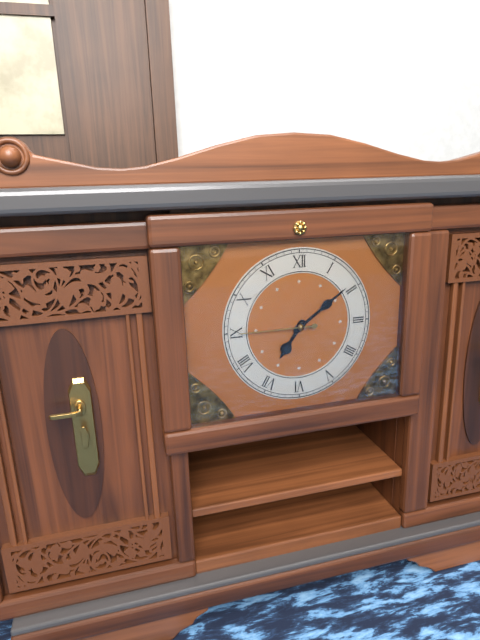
7:09:45
